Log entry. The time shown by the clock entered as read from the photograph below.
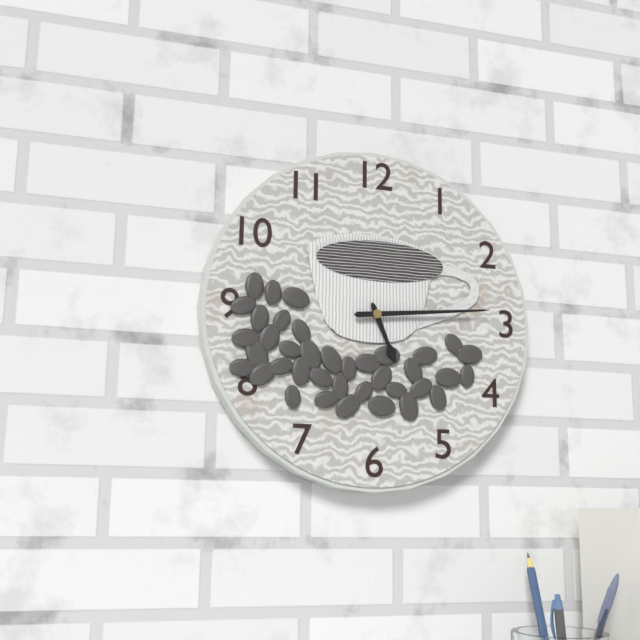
5:14
